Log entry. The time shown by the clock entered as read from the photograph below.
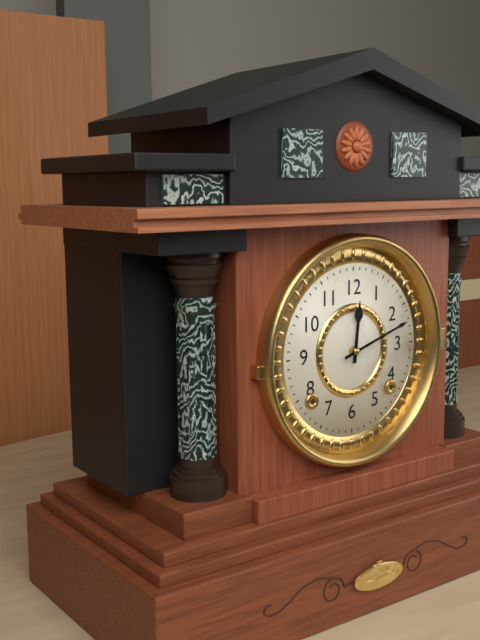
12:12
